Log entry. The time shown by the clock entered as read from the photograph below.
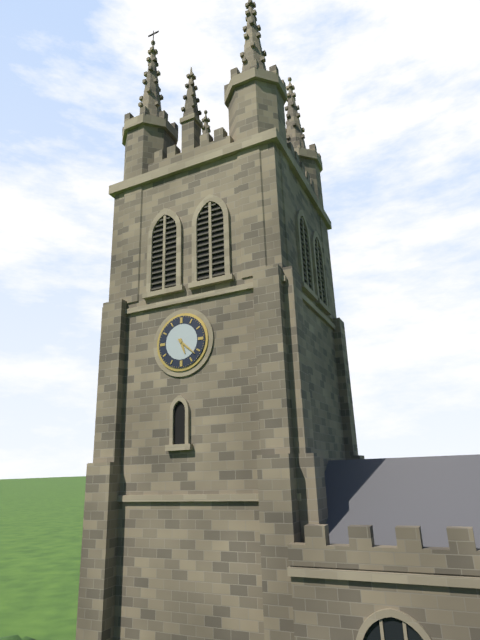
5:22
